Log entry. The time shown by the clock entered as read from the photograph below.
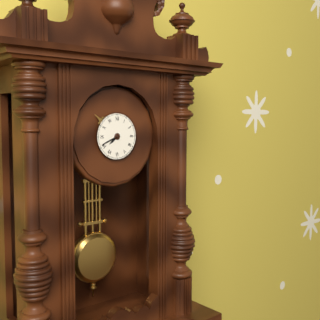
7:41
